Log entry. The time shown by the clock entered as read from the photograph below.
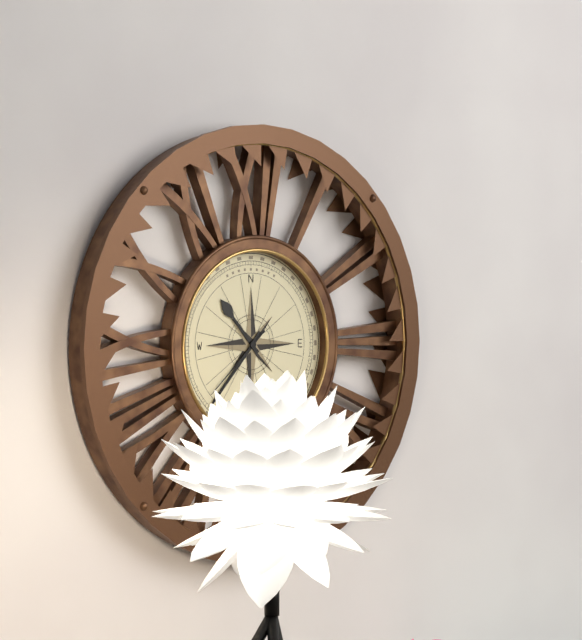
10:37:38
